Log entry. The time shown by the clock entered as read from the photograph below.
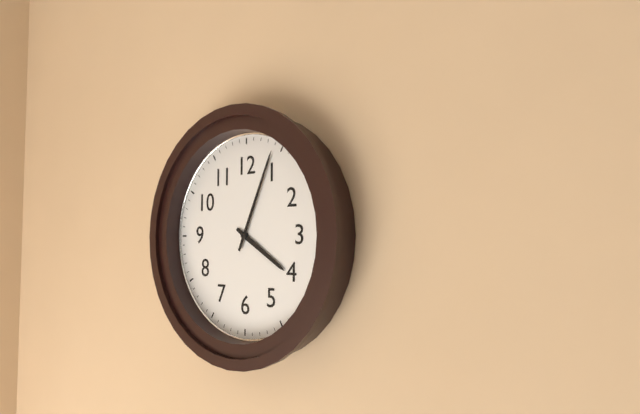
4:04
